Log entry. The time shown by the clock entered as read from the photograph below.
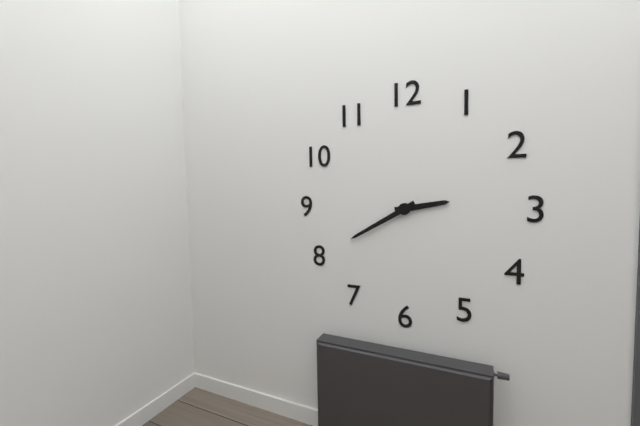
2:40
